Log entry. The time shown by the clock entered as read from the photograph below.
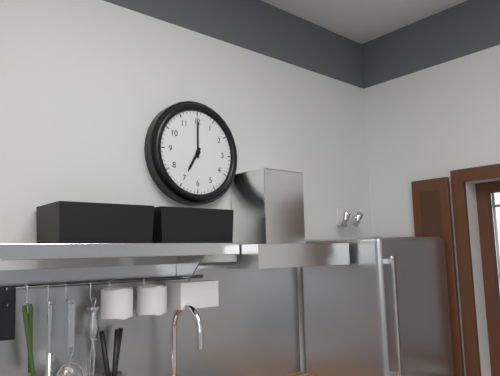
7:00
